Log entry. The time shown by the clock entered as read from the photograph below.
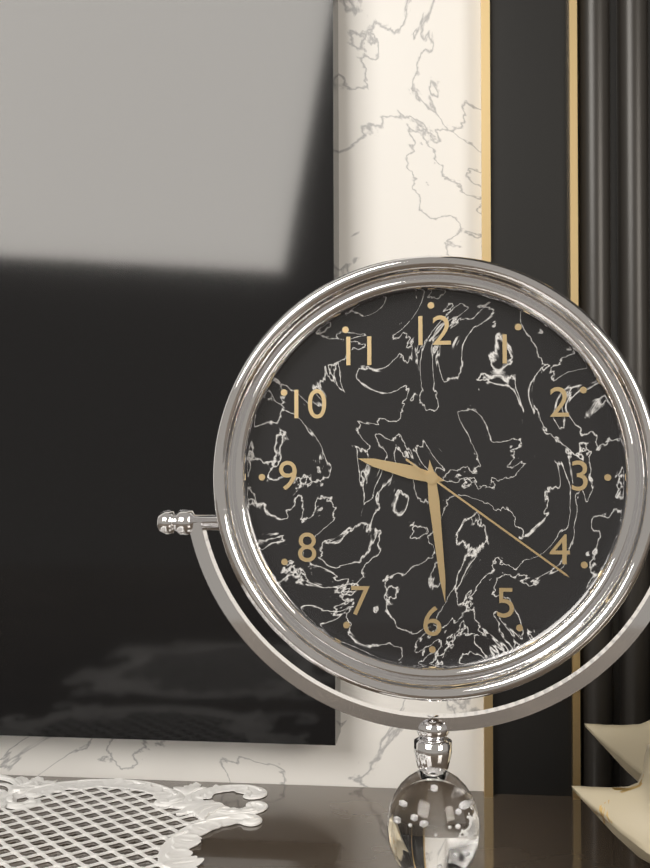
9:29:21
